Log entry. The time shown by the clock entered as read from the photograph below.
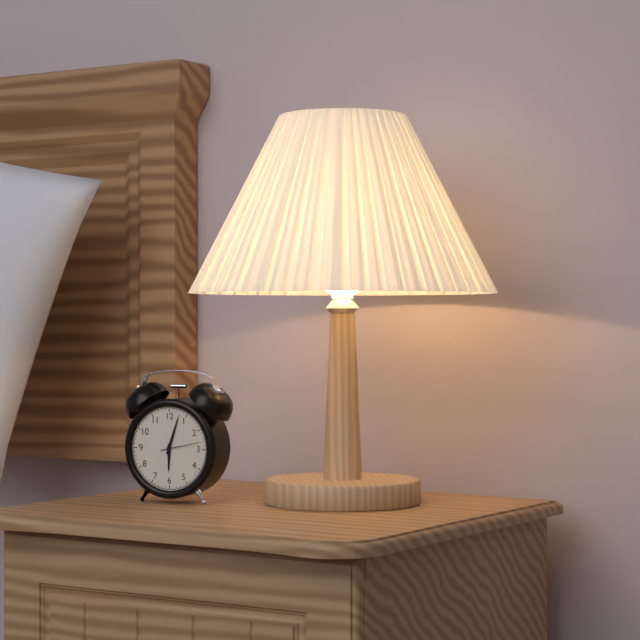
6:03
